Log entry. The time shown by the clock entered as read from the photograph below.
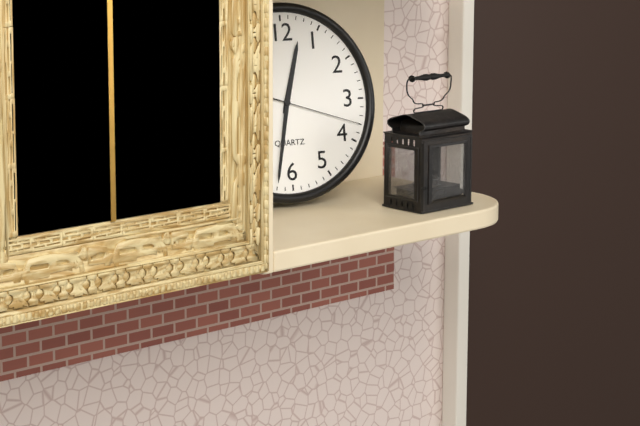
12:32:18
